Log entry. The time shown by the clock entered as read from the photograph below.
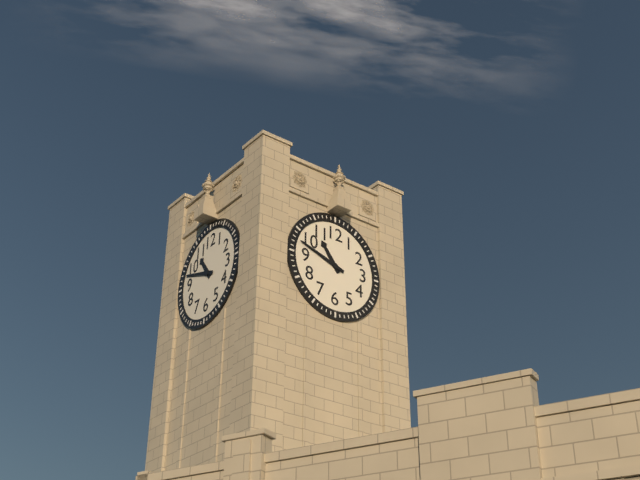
10:48
